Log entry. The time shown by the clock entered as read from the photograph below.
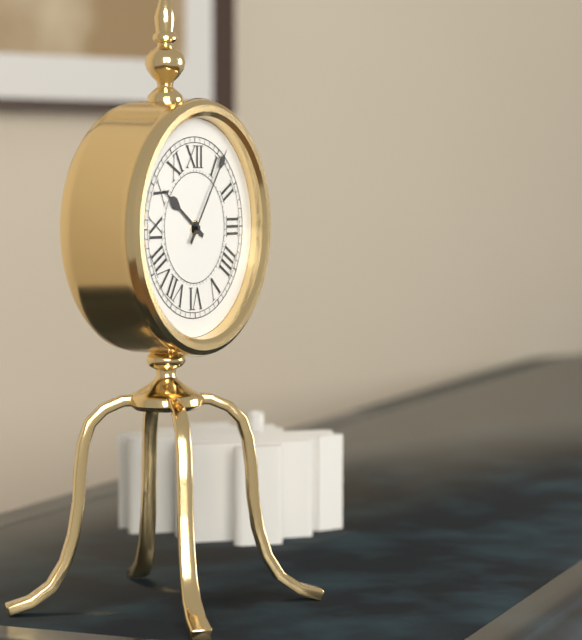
10:06
